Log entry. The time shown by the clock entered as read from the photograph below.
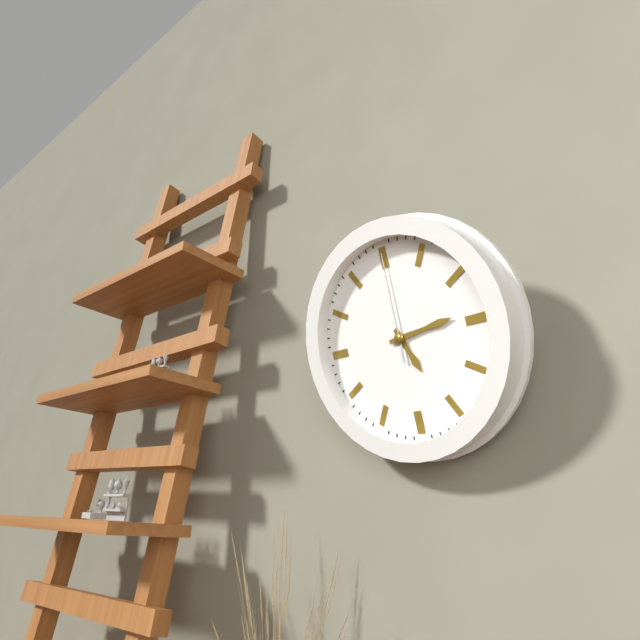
5:14:00
